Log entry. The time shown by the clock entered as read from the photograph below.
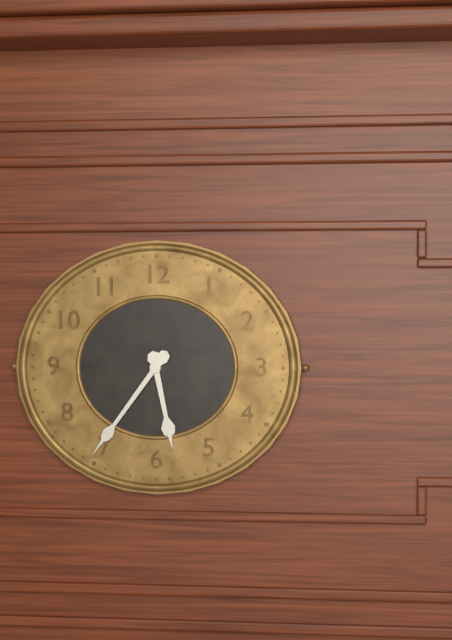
5:36
